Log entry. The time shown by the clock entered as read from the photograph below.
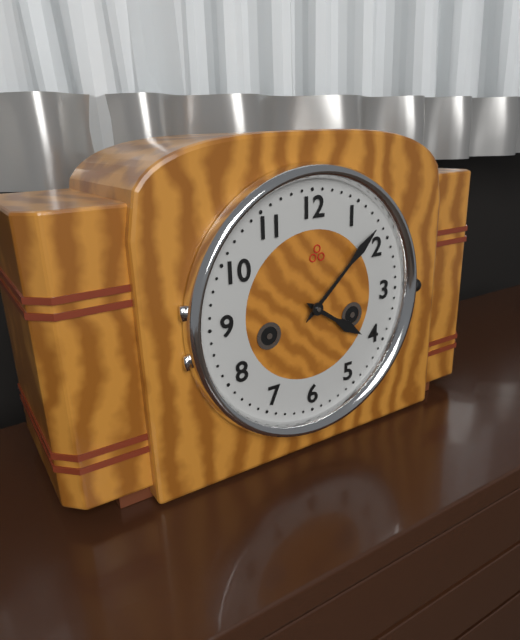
4:08
